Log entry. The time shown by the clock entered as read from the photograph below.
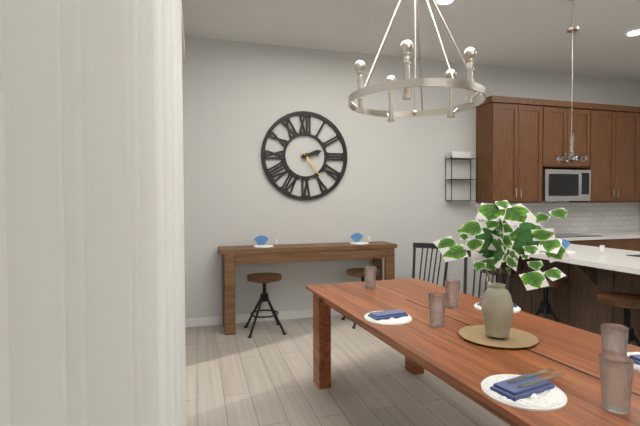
2:24
